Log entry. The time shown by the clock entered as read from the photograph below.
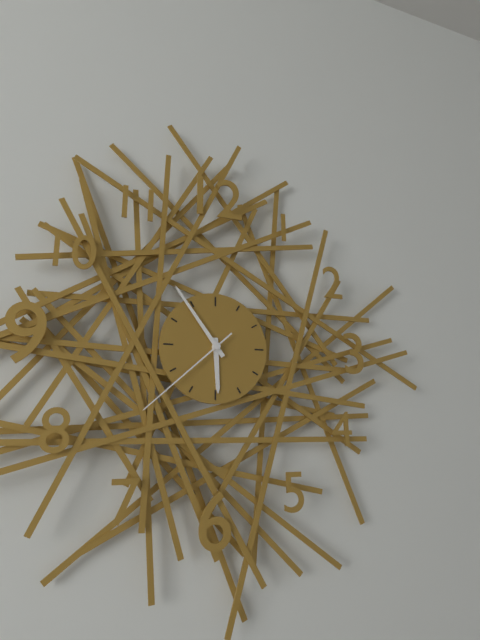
5:54:38
